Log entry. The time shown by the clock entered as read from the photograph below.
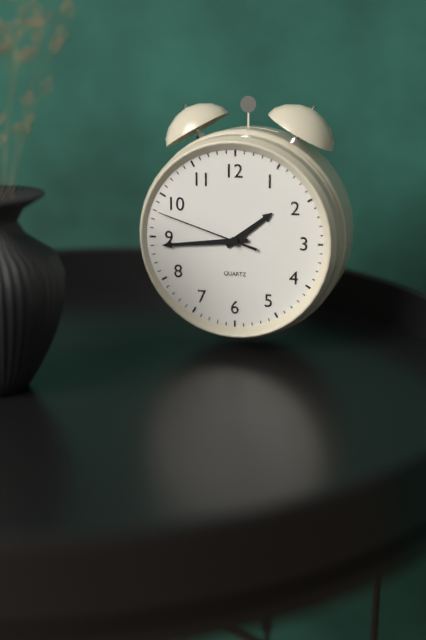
1:44:48
